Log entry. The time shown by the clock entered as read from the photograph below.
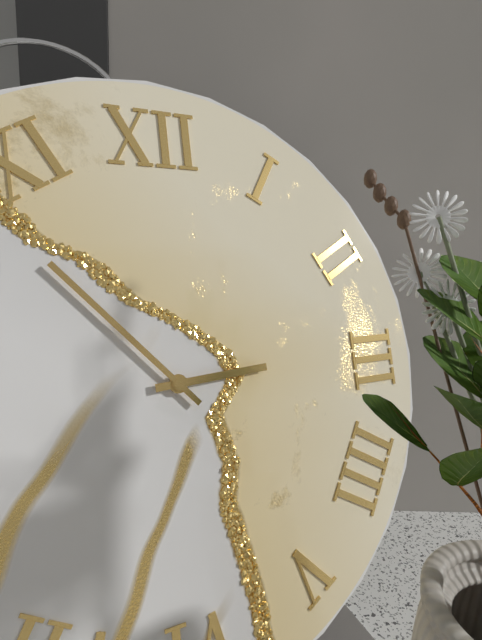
2:53
